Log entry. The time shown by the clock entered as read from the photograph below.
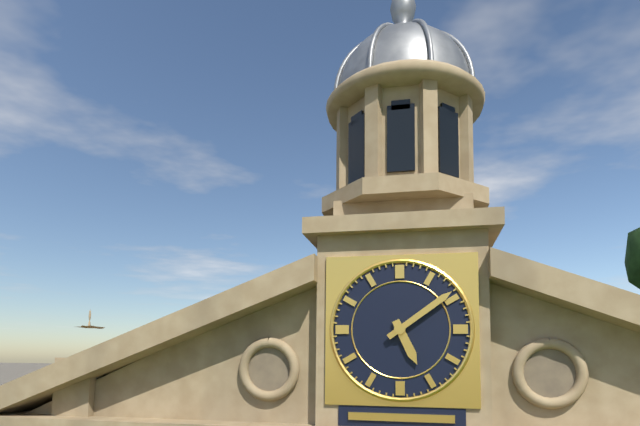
5:09
